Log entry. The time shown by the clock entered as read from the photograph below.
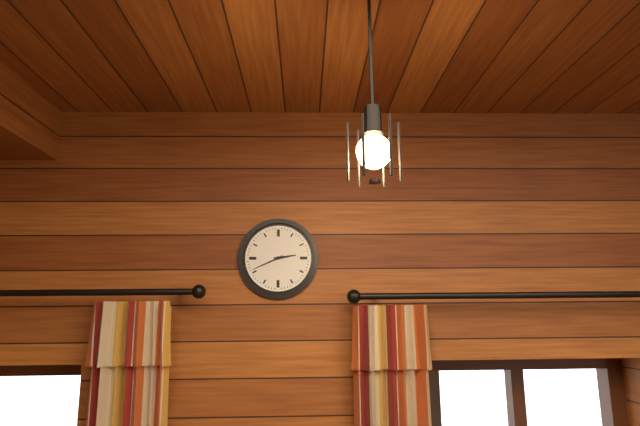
2:41
